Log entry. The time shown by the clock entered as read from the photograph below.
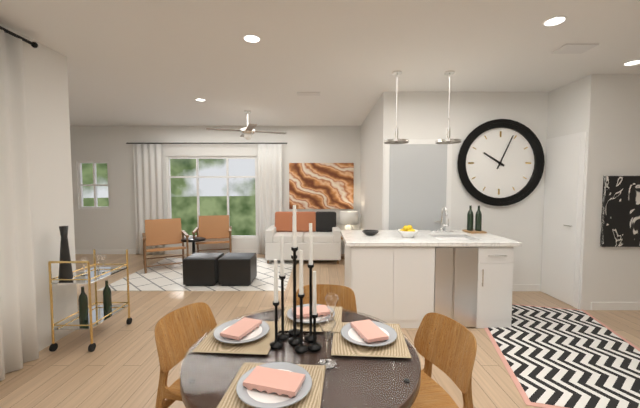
10:04
